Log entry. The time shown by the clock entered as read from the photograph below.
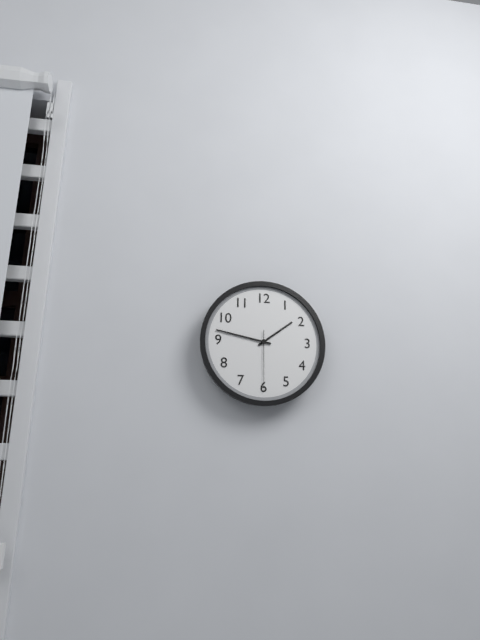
1:47:30
